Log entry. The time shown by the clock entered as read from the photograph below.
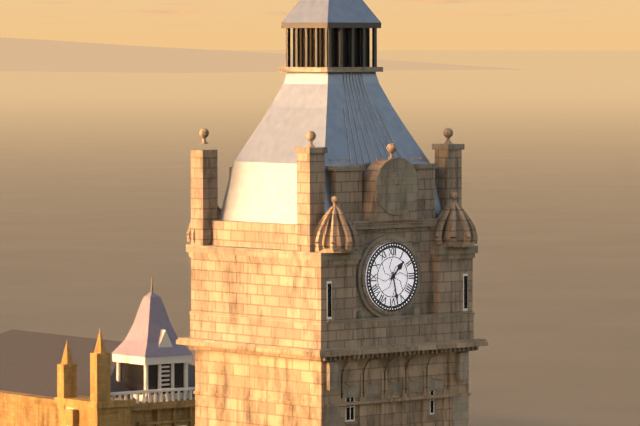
1:28
